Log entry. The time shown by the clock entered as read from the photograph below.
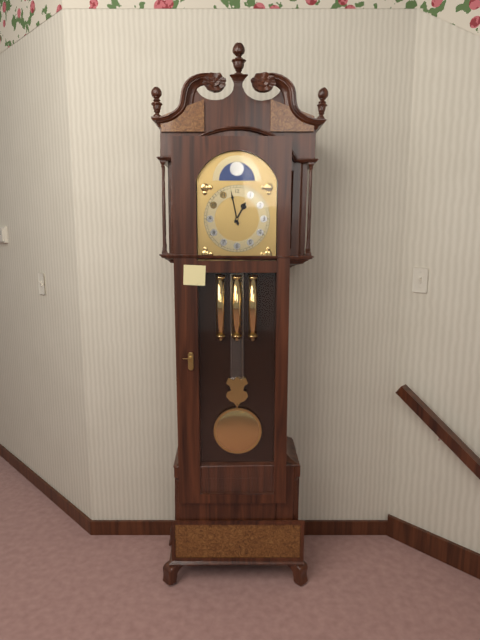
12:58
